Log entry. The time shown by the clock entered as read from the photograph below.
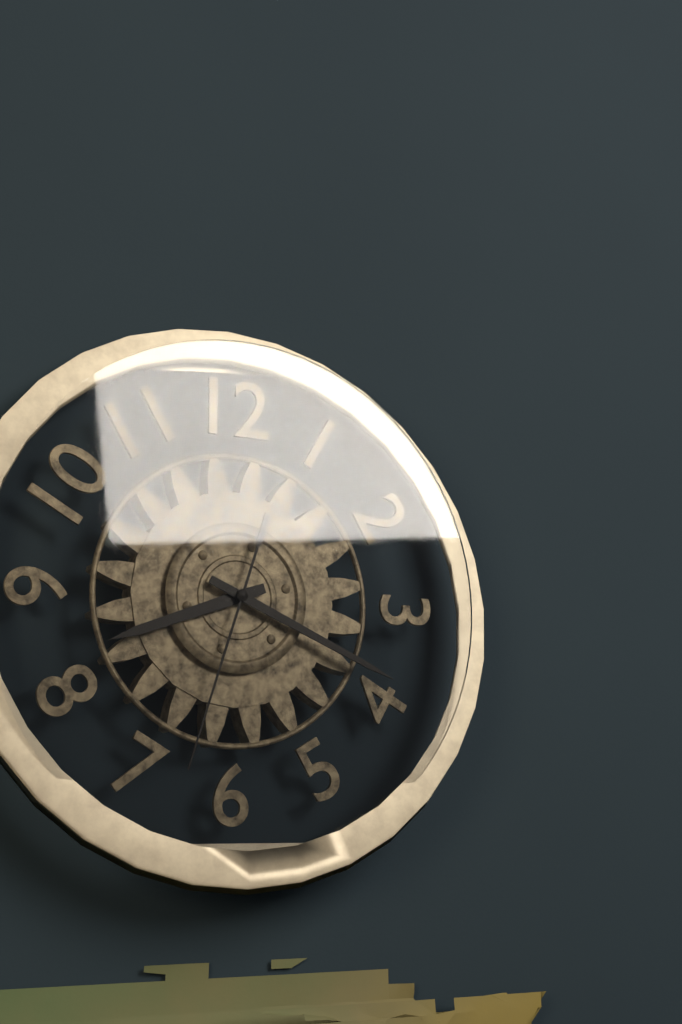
8:19:33
